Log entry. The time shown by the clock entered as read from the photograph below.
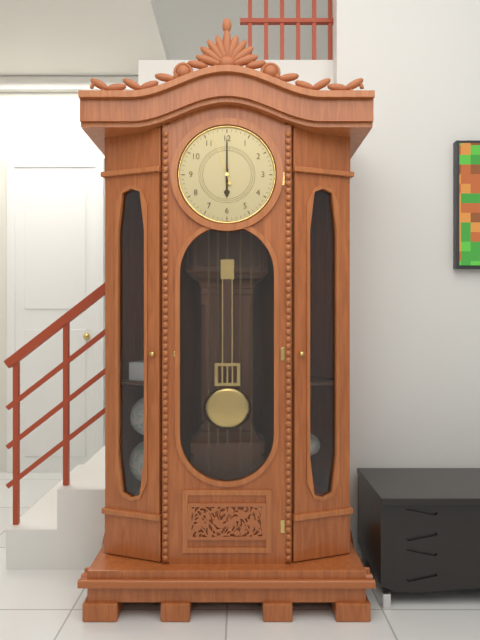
6:00:57
